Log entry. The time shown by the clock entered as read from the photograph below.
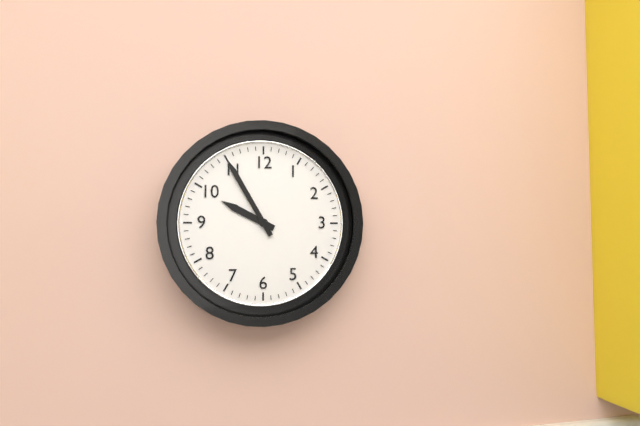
9:55
